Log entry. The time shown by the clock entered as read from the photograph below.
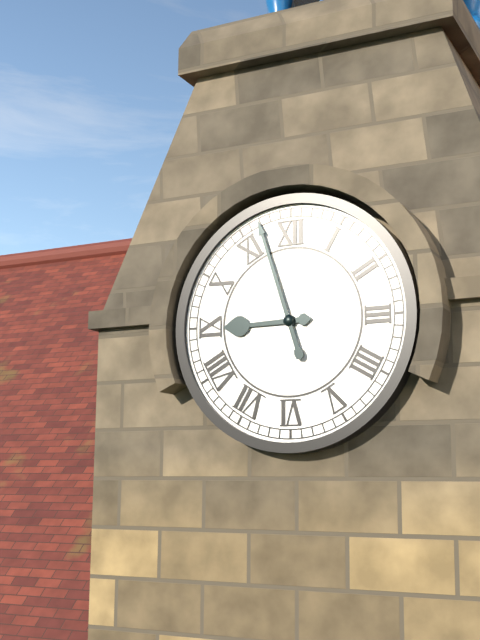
8:57
